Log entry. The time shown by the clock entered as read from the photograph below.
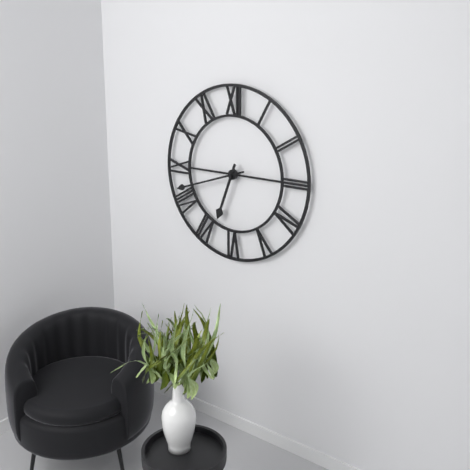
6:42
